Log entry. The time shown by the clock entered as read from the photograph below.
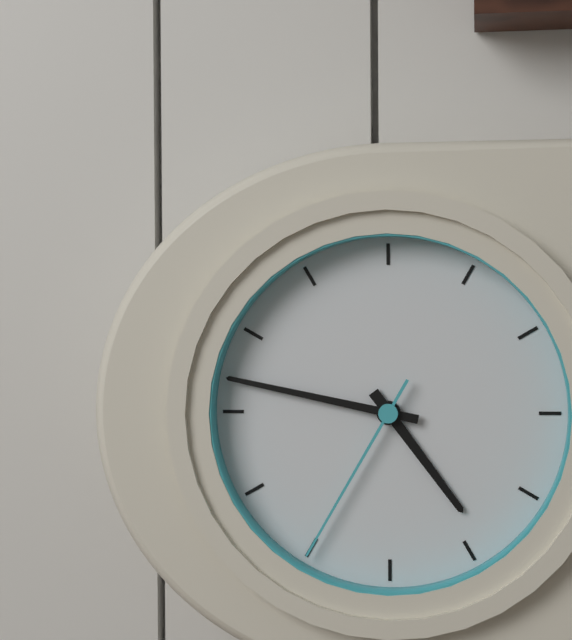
4:47:35
